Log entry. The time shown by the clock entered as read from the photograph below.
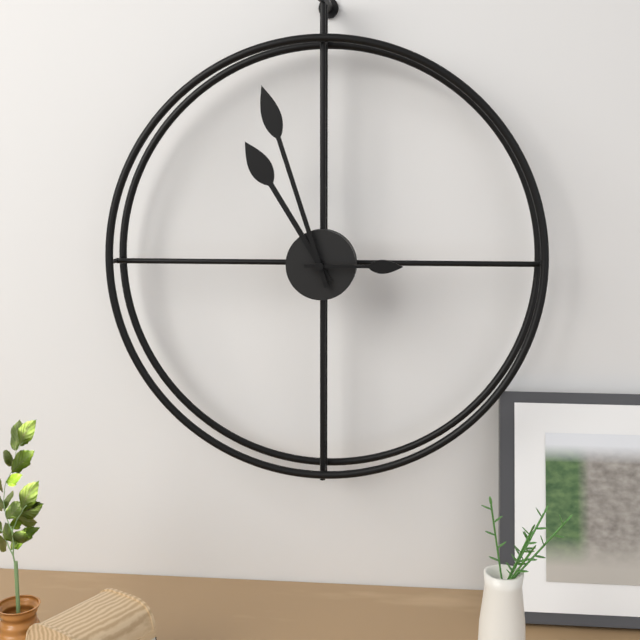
10:57:15
